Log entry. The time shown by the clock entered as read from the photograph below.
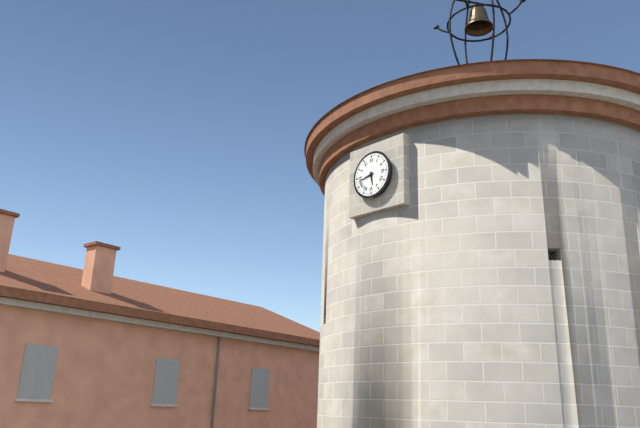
5:43
